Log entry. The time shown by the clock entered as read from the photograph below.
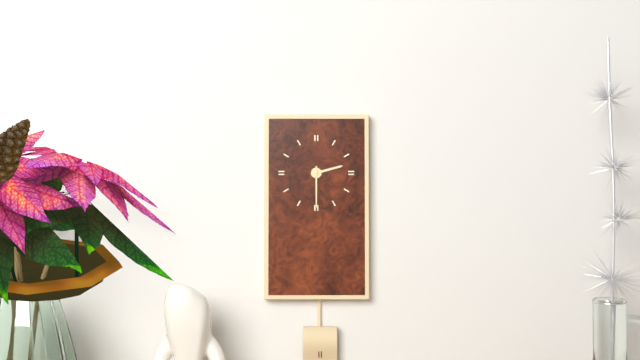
2:30
